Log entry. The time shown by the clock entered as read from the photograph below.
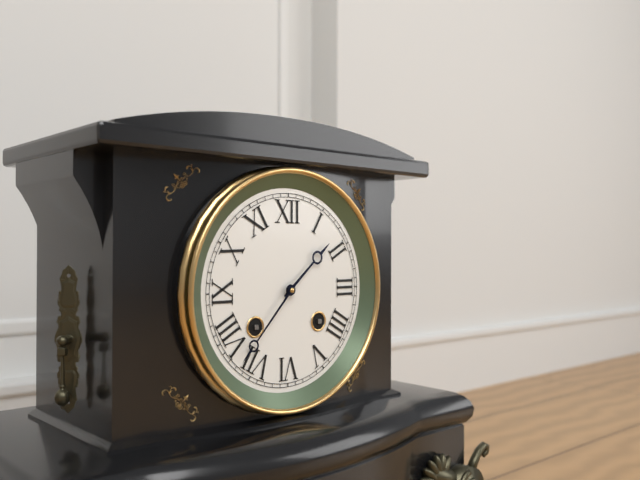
1:37
